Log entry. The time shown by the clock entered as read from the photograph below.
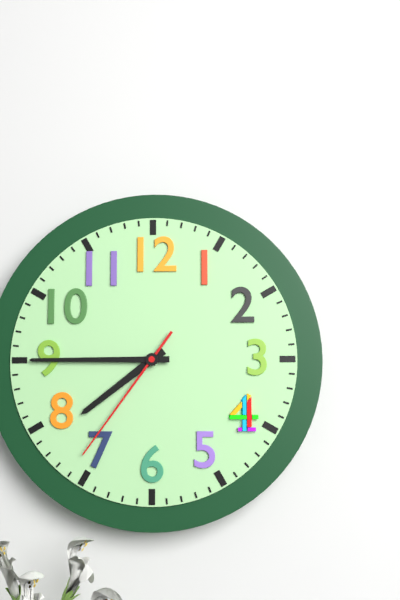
7:45:36
